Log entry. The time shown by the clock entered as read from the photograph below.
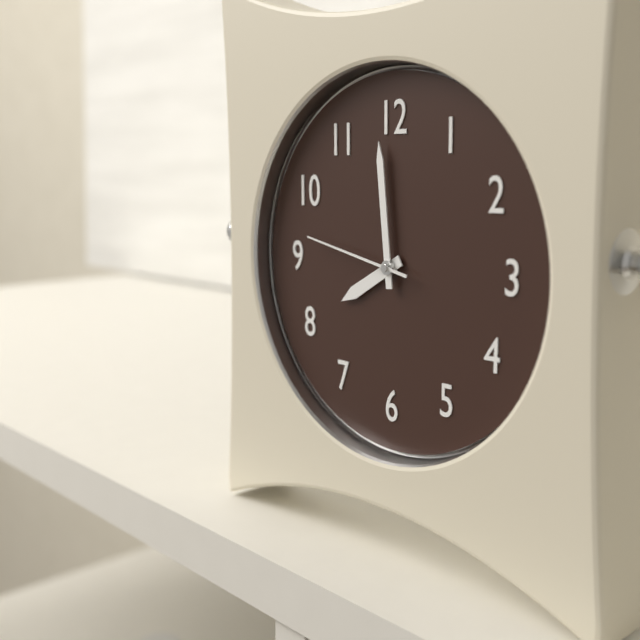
7:59:47
